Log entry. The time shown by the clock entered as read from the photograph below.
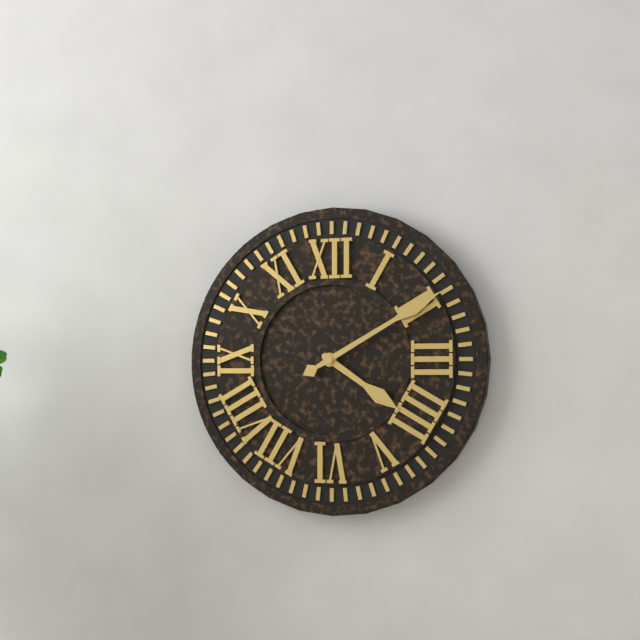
4:10
